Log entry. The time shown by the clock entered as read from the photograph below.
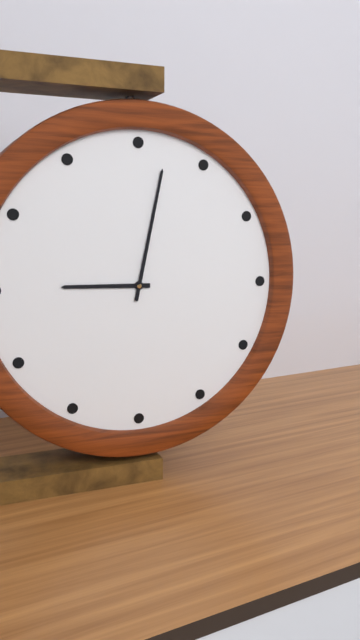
9:02
